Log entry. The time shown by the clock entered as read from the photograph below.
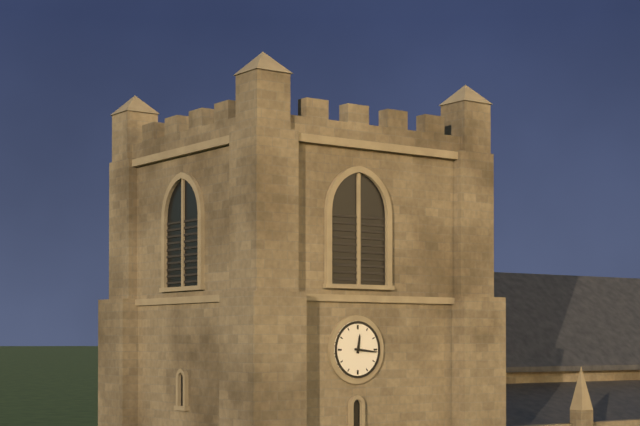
12:16
